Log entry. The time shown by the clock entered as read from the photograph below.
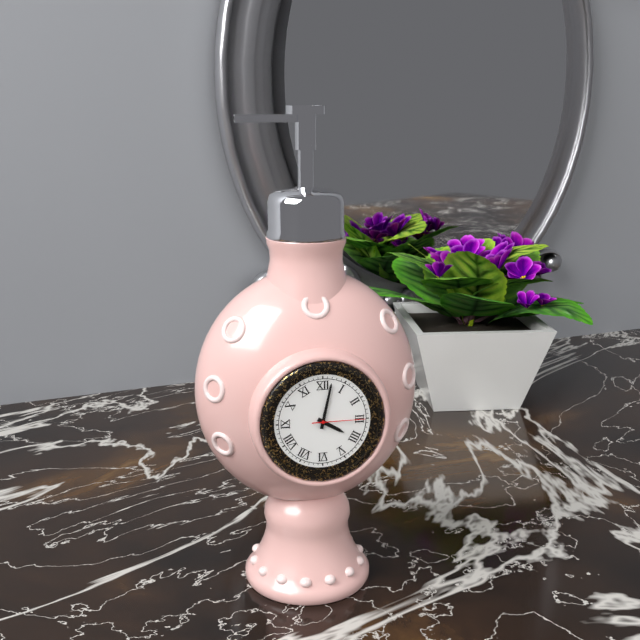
4:02:15
